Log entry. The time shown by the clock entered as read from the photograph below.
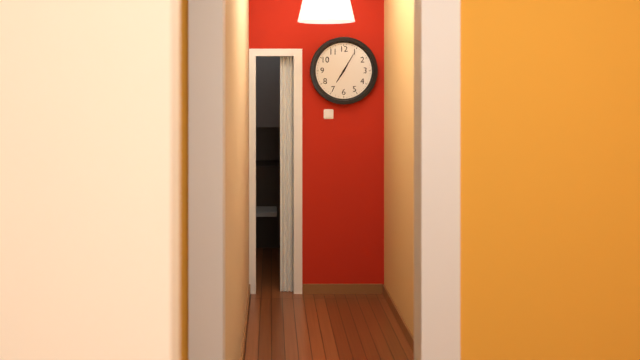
7:05
